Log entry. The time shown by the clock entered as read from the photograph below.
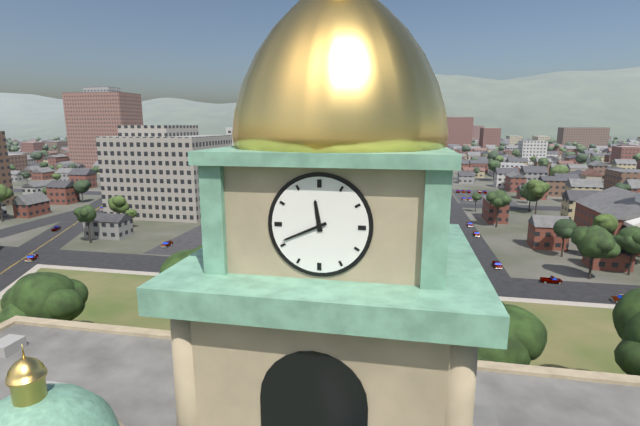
11:41
